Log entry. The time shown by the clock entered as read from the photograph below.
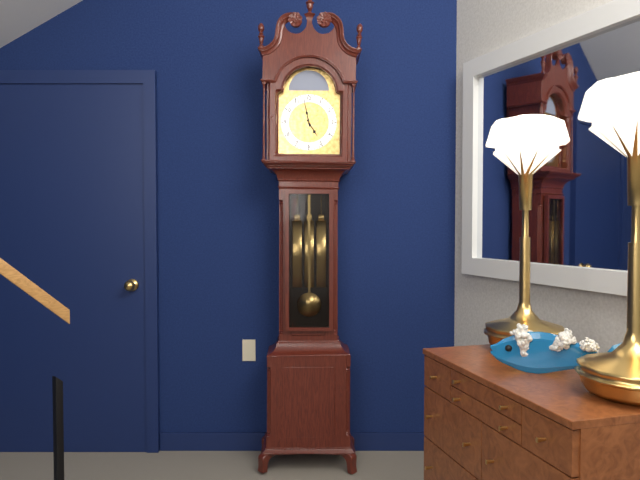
4:58
